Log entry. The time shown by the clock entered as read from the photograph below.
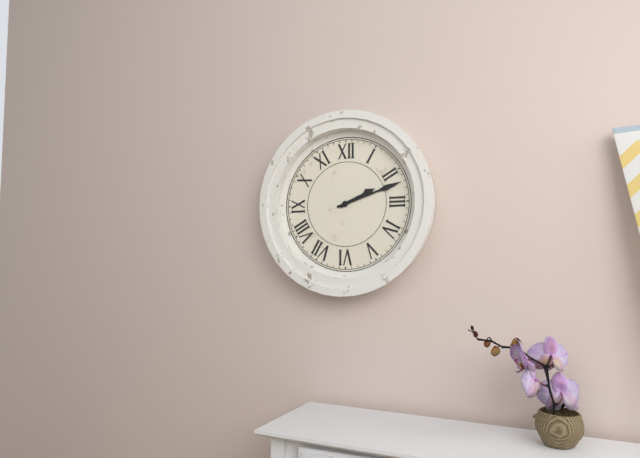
2:12
